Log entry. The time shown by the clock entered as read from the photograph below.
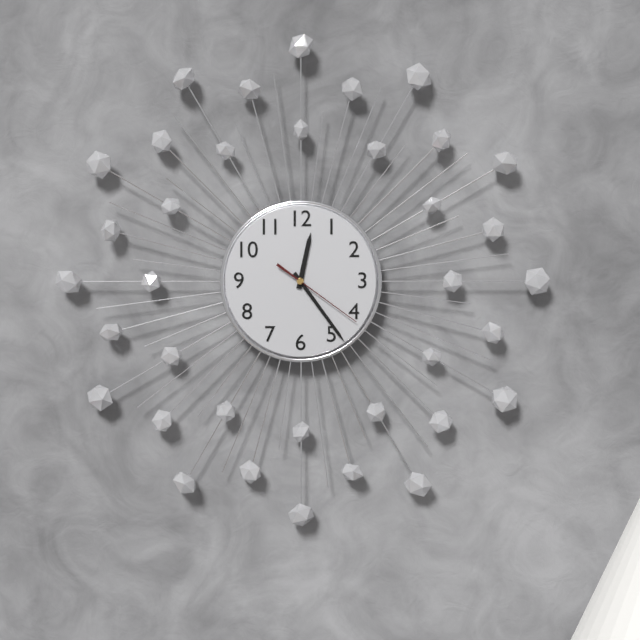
12:24:21
